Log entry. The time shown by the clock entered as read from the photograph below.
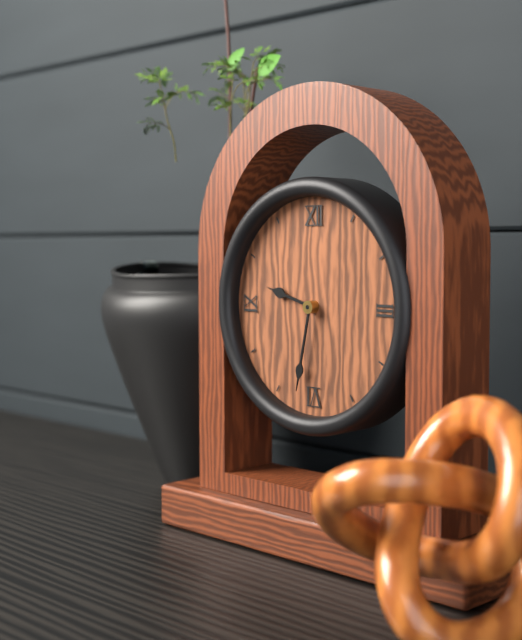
9:32
